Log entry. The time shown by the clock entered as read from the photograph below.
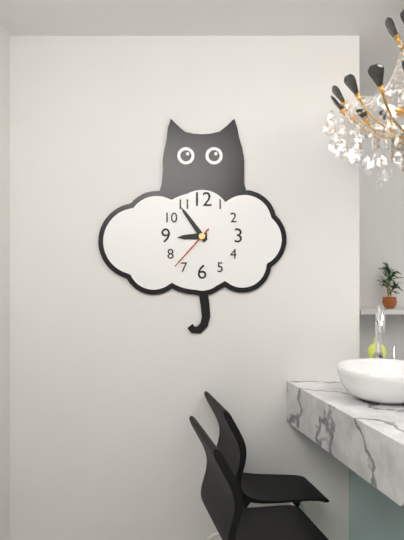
8:54:37
